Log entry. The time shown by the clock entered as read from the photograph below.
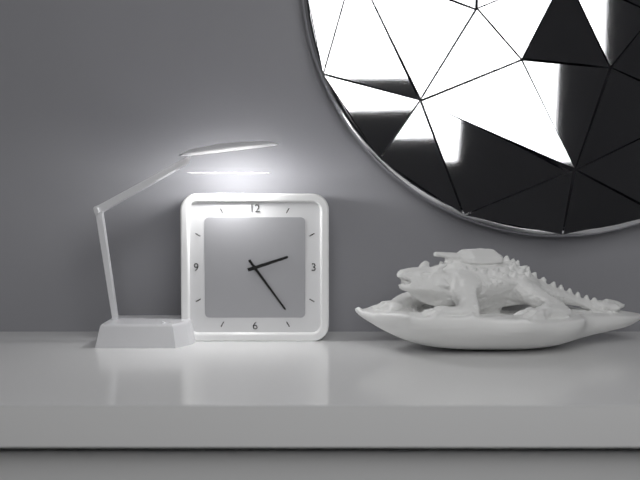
2:24
